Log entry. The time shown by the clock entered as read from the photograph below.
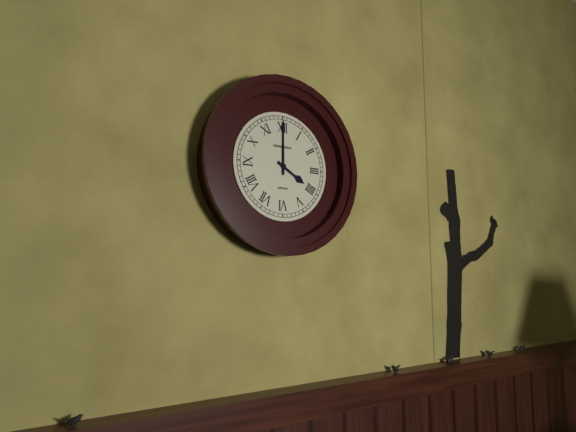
4:00
